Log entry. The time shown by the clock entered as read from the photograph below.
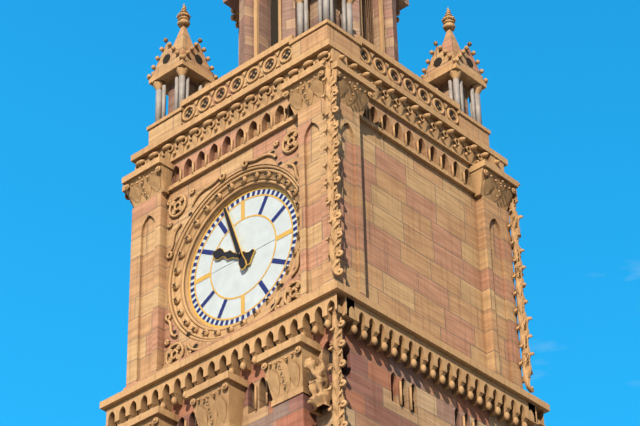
9:57
